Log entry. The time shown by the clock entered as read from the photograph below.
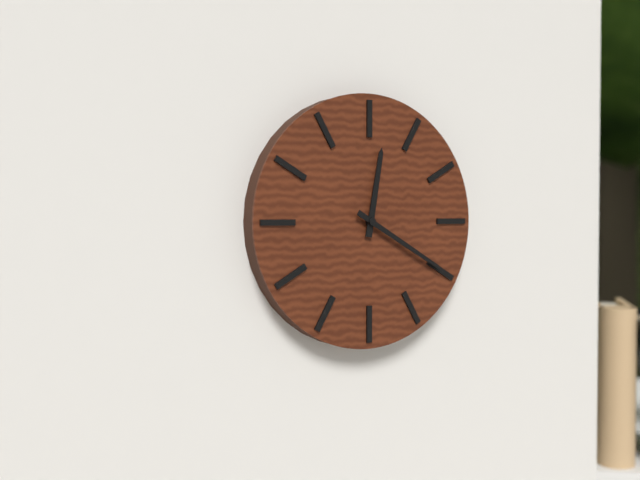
12:20
